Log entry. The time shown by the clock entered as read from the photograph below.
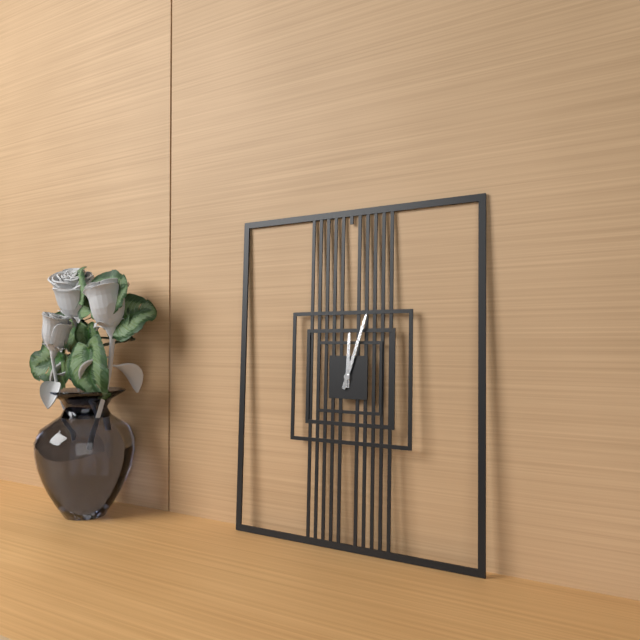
12:03
